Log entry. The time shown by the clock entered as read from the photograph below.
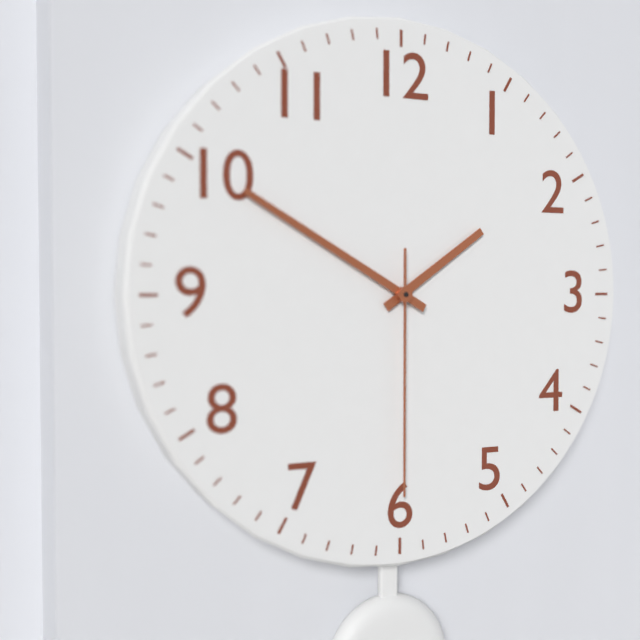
1:50:30
